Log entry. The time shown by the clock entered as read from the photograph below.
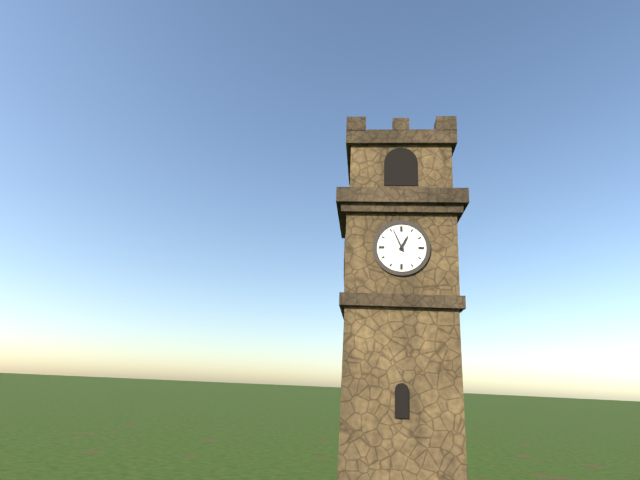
12:56
